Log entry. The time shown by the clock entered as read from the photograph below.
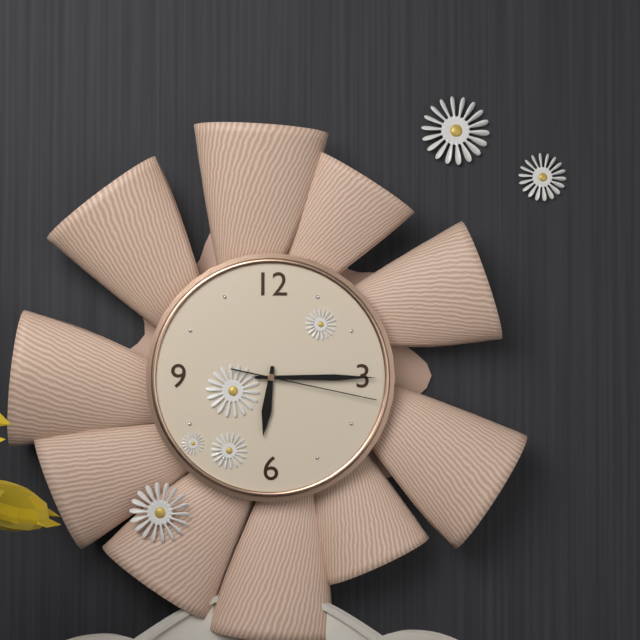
6:15:17
